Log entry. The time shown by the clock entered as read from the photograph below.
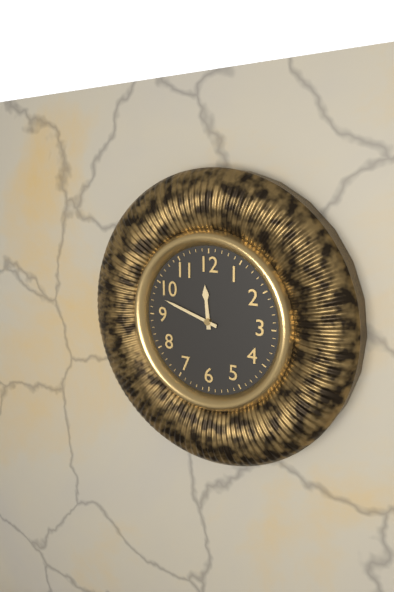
11:48
